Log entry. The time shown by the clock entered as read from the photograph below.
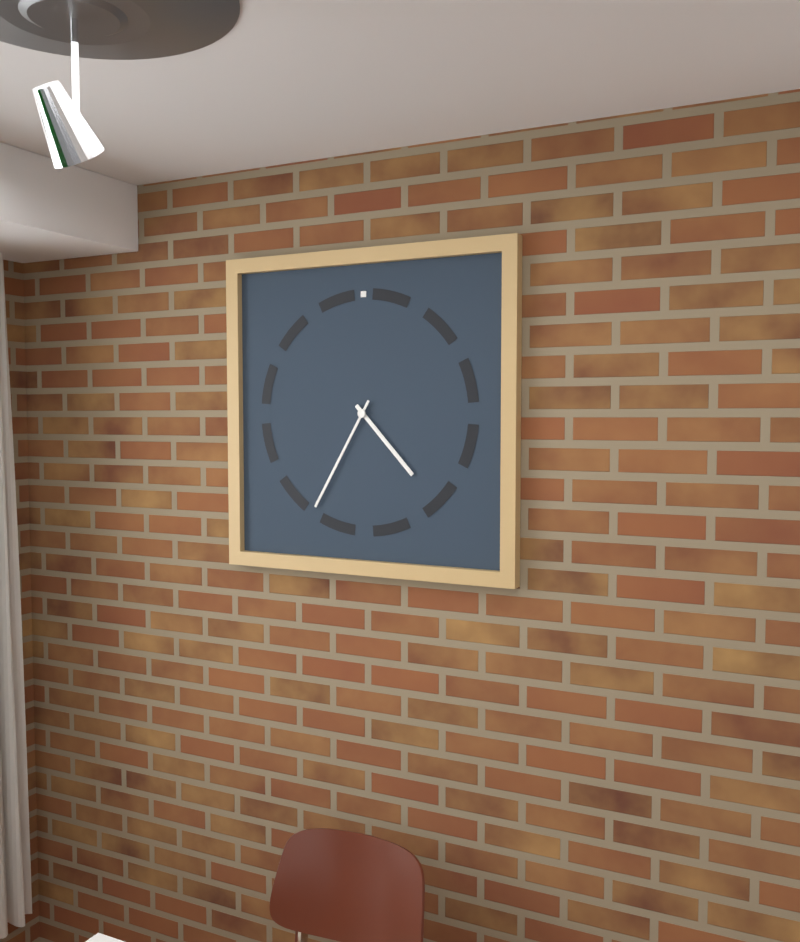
4:35
